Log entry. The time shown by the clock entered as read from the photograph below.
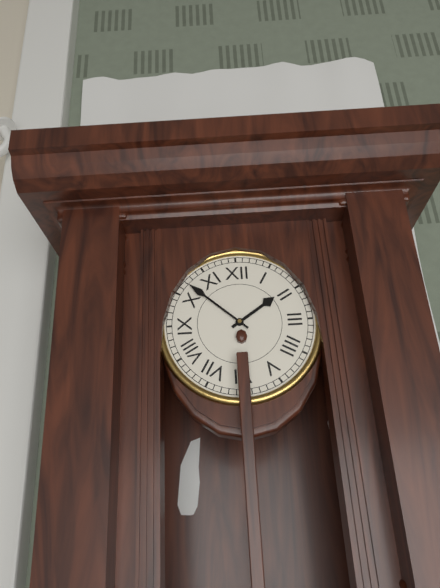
1:52
